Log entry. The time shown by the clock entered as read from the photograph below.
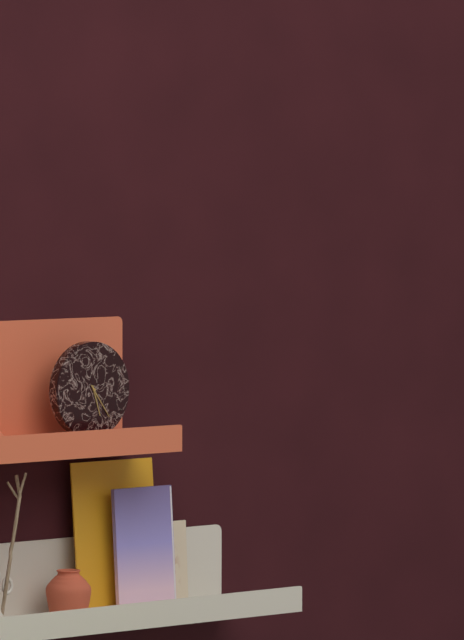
5:24
